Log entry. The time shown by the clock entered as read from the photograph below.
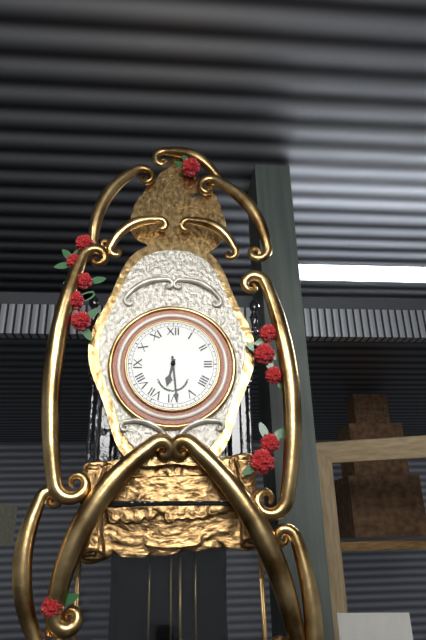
6:29
